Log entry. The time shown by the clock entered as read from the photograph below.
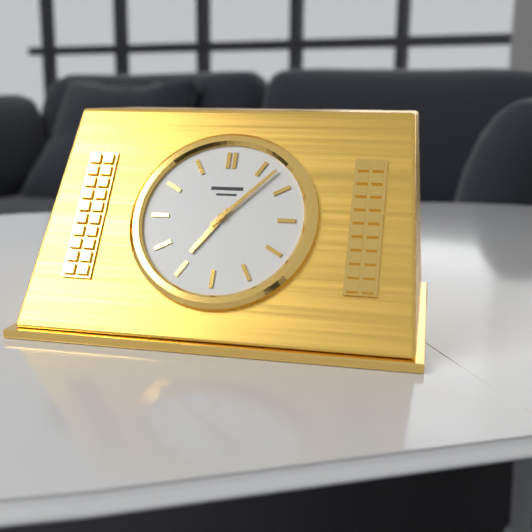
7:07
